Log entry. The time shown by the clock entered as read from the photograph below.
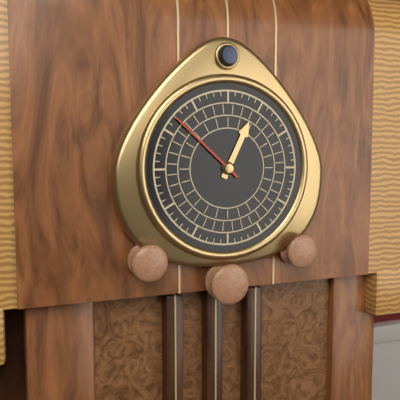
12:52
